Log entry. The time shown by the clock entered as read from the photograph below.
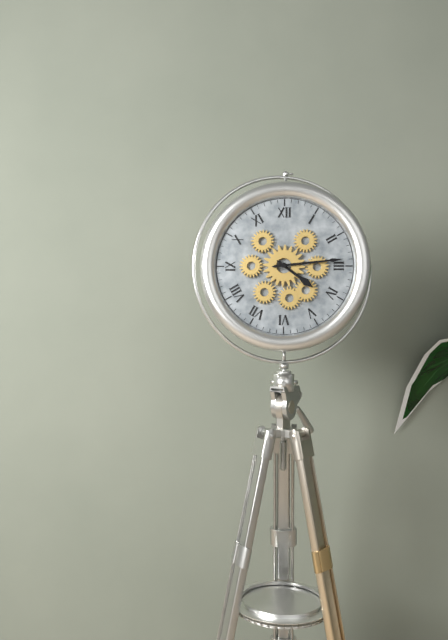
4:14
